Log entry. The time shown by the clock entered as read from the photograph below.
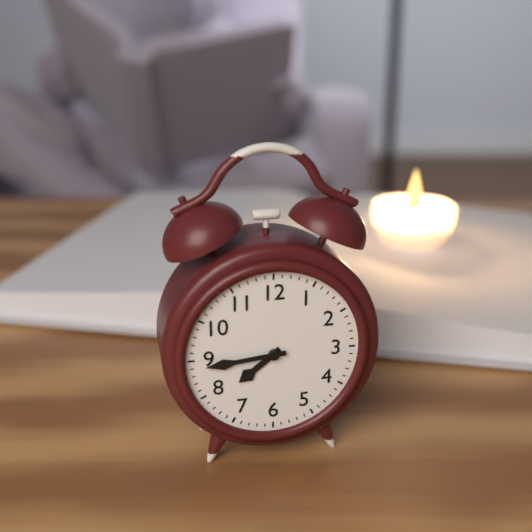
7:44
